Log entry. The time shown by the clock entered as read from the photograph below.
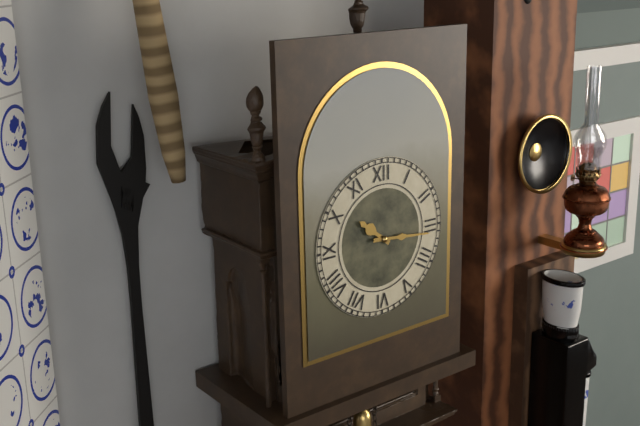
10:16
